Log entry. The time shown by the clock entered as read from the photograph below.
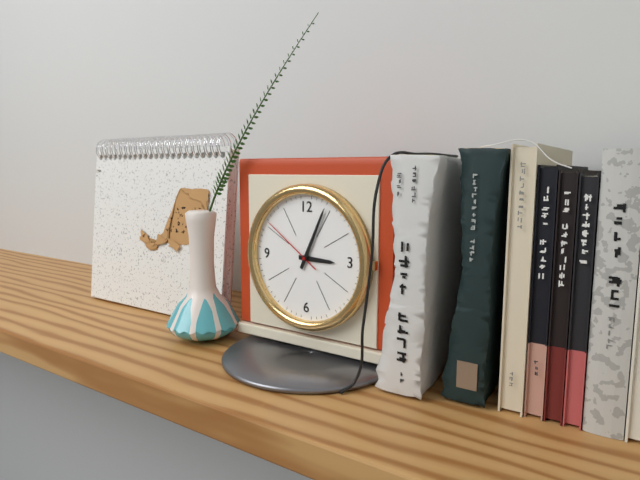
3:04:51
